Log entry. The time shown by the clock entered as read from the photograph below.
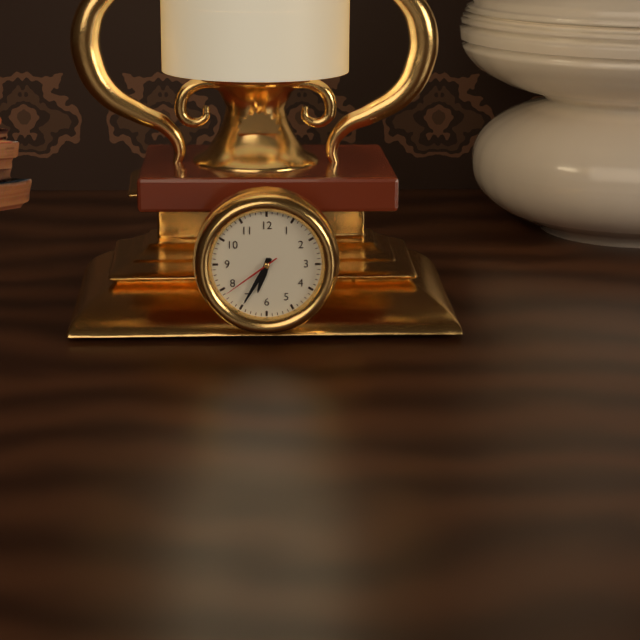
6:35:39
